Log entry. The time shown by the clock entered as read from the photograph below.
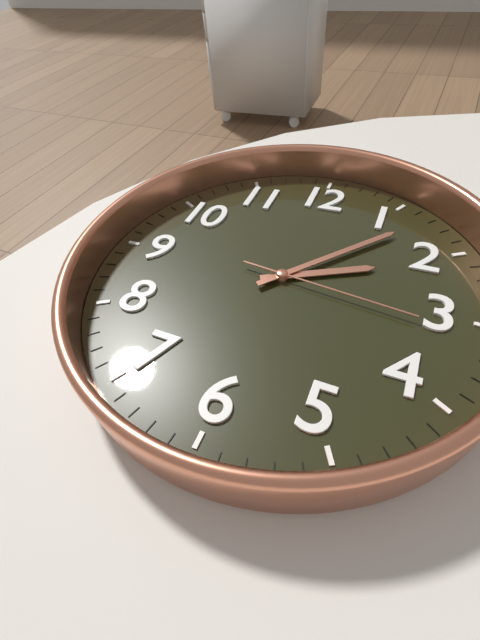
2:07:16
